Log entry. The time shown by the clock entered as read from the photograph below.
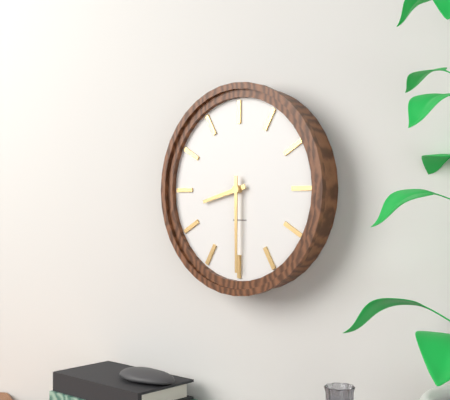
8:30
